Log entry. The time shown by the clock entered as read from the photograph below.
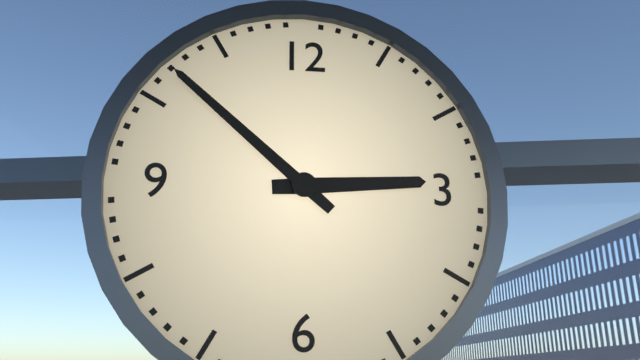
2:52
